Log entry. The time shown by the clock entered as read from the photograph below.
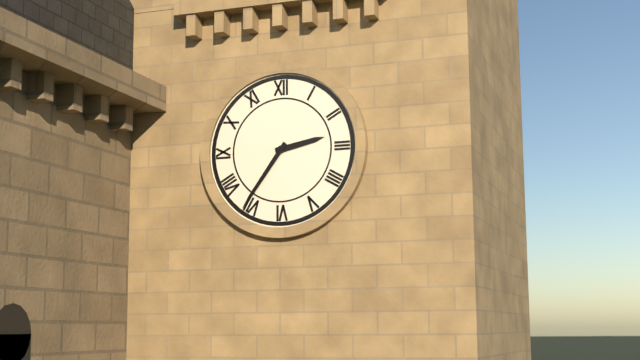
2:36
